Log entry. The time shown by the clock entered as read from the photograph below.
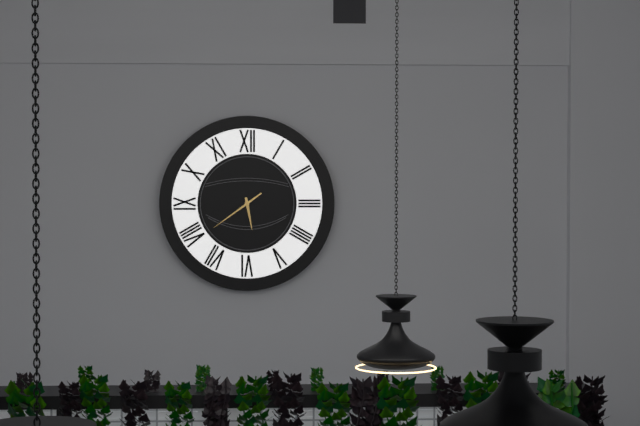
5:39
